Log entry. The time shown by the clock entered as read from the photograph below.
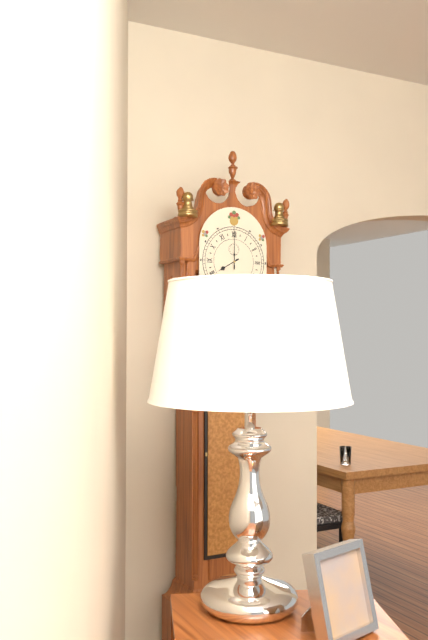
8:00
